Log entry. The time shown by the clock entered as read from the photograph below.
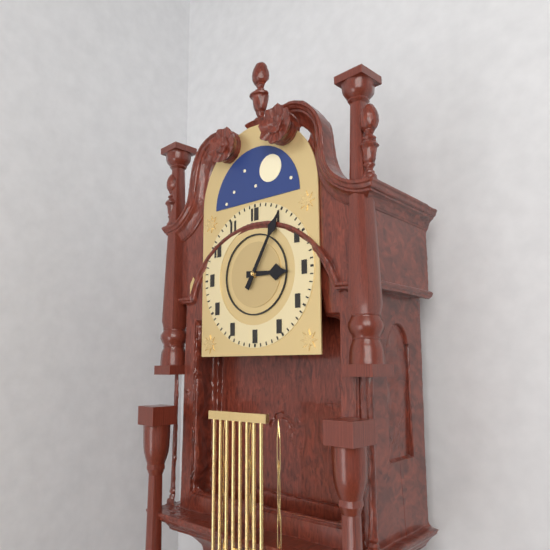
3:05
